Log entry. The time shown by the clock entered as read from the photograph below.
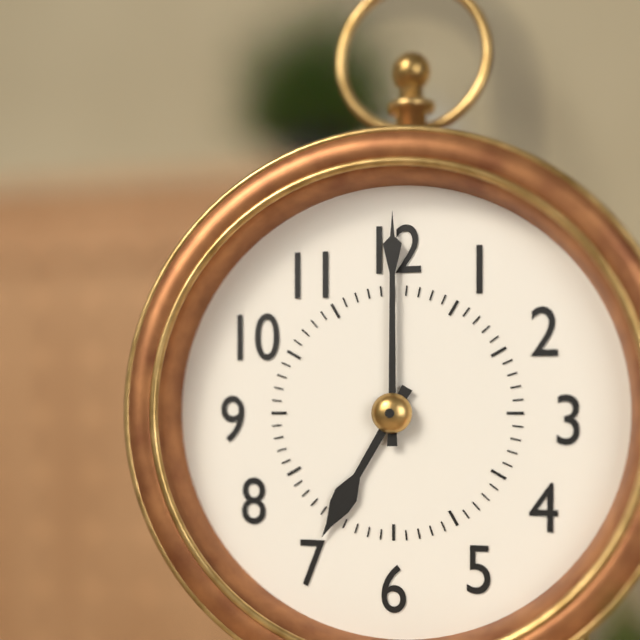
7:00
